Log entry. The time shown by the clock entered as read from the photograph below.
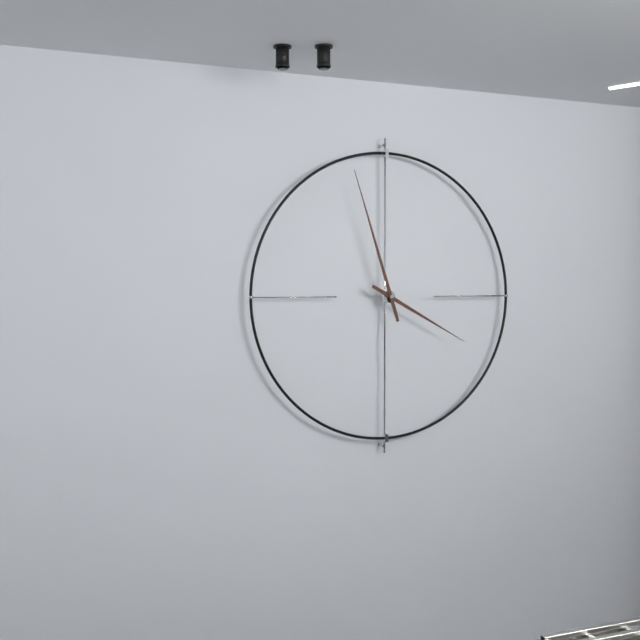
3:57
